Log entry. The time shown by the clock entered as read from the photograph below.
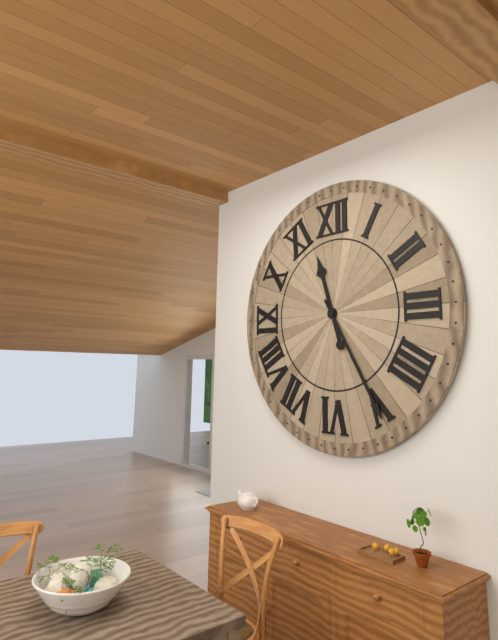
11:25
